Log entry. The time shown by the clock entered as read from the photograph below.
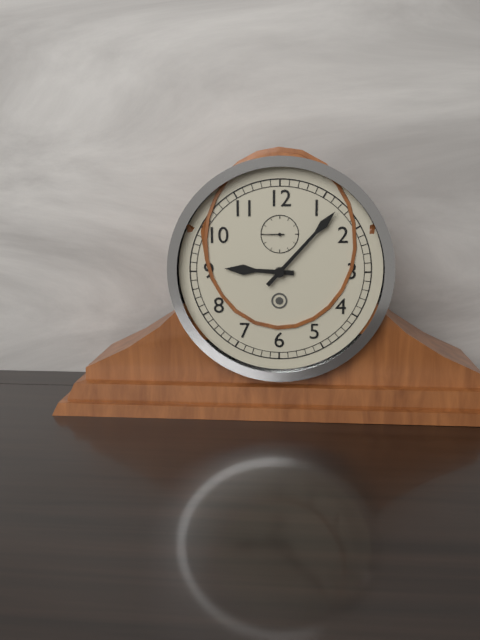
9:07
